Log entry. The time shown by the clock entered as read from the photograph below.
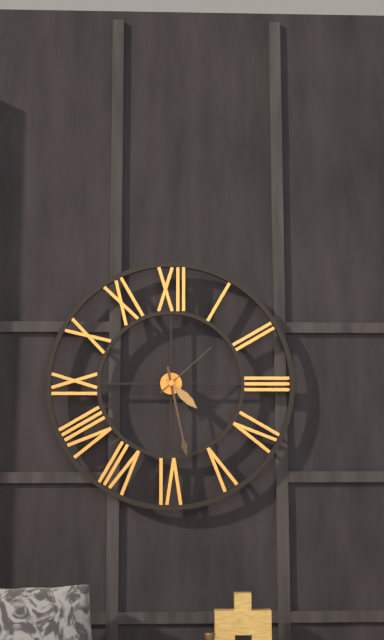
4:28:08
